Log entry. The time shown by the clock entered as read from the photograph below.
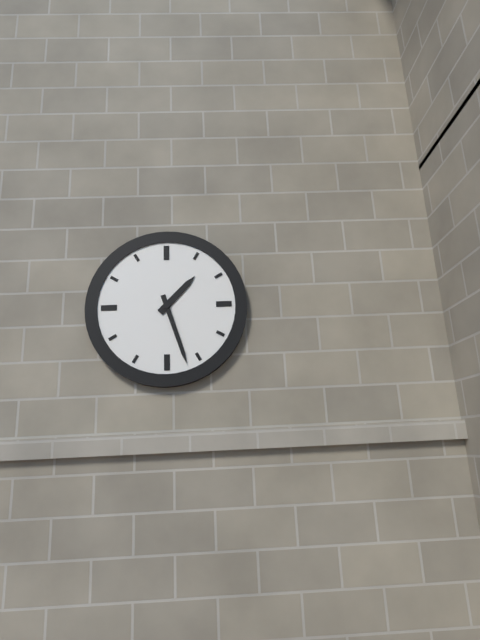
1:27
